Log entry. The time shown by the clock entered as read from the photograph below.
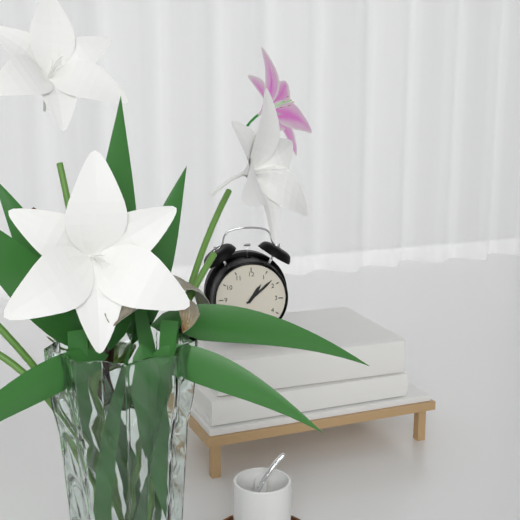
1:08
